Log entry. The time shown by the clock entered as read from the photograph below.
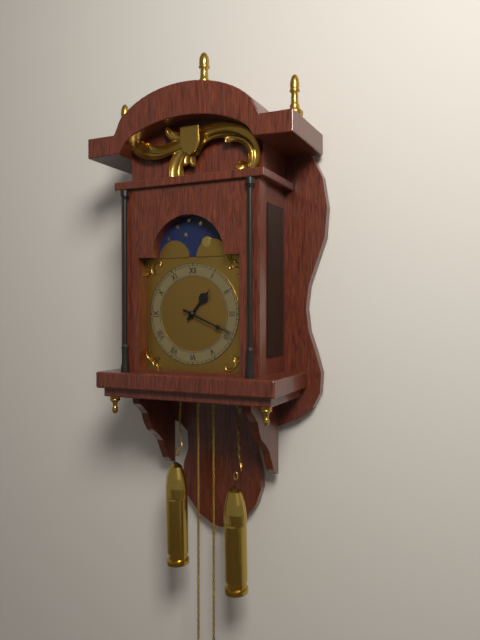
1:19
